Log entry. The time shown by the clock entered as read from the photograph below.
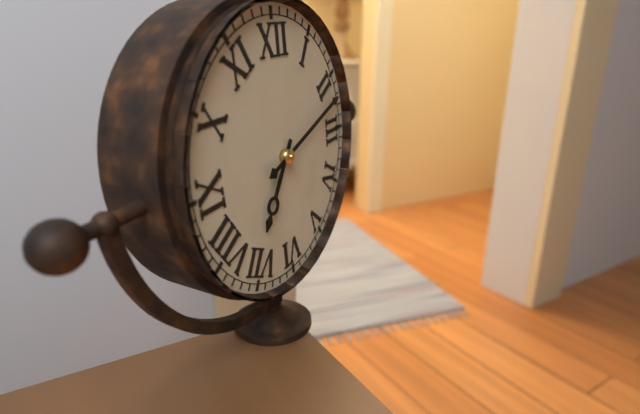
7:12
